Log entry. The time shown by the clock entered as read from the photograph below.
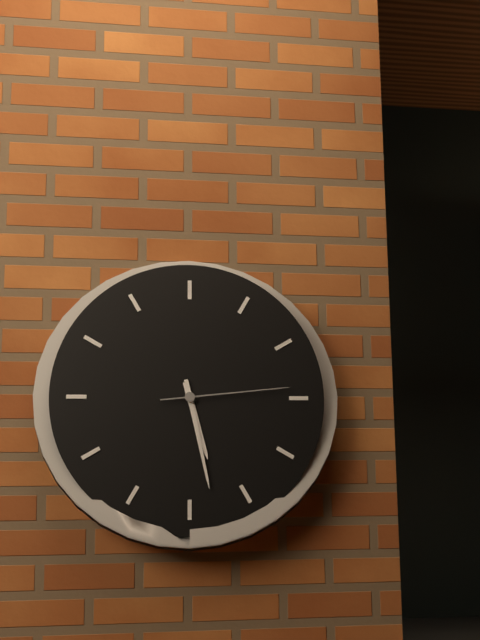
5:28:14
